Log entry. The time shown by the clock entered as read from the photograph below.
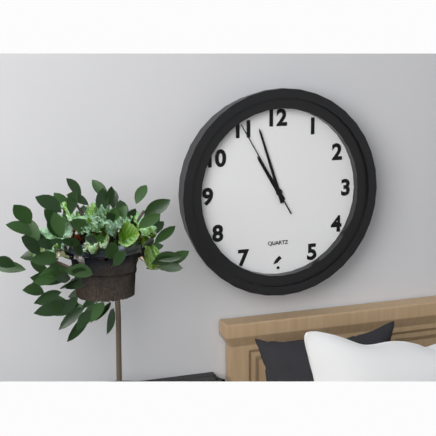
10:57:55
